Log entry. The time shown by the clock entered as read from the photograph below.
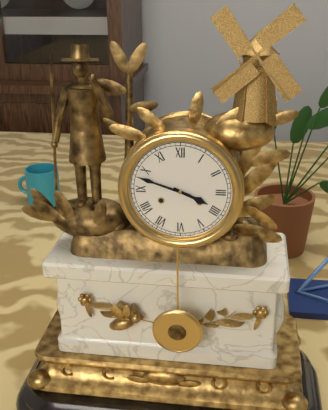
3:48
